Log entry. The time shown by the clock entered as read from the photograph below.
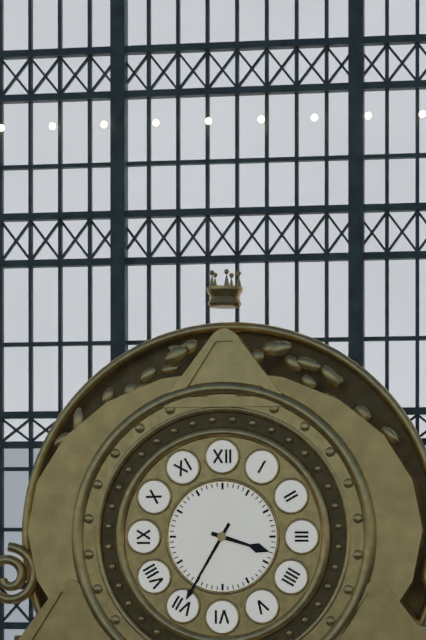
3:35
